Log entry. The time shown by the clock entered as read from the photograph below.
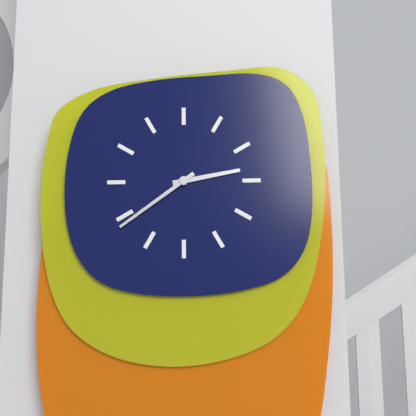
2:39
